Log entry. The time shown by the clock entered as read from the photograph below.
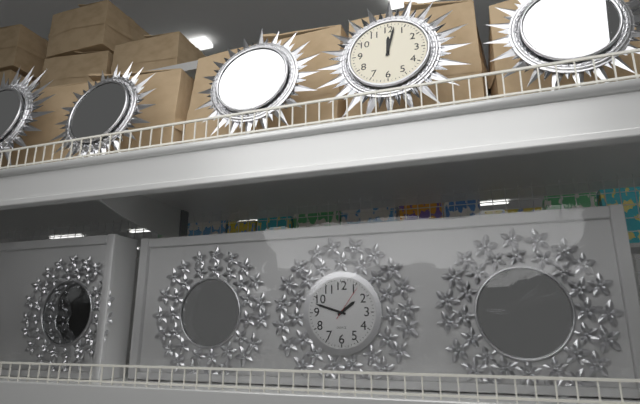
1:48
